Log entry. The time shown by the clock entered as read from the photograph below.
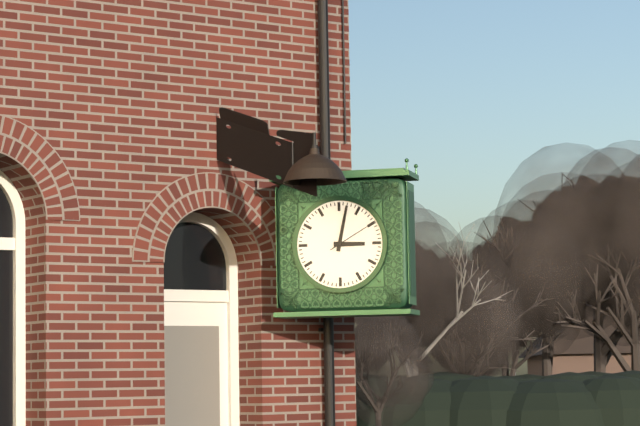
3:02
